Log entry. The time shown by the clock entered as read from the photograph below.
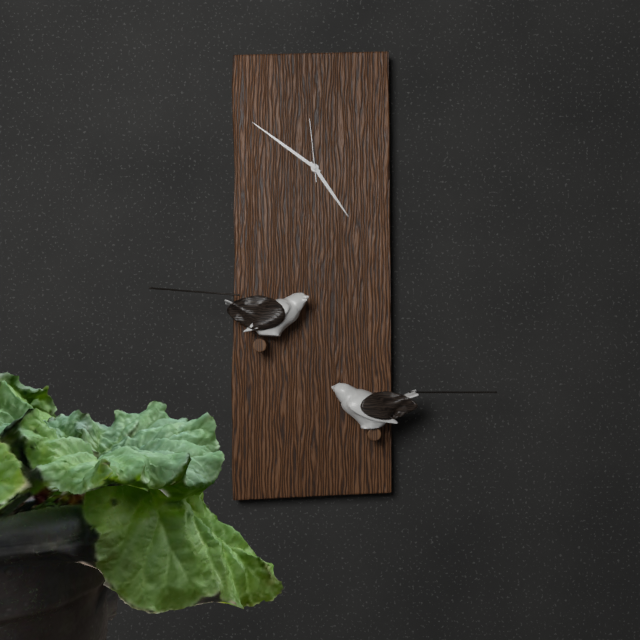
4:51:59
